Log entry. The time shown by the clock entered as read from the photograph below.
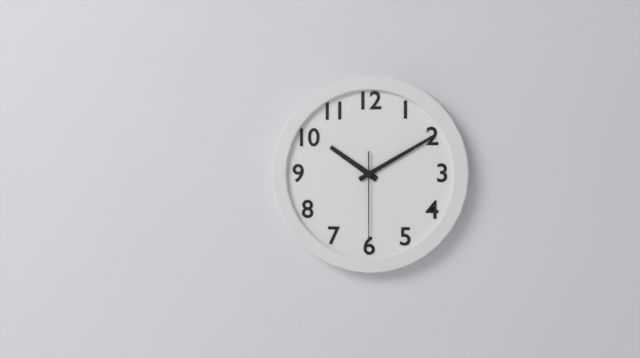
10:10:30
